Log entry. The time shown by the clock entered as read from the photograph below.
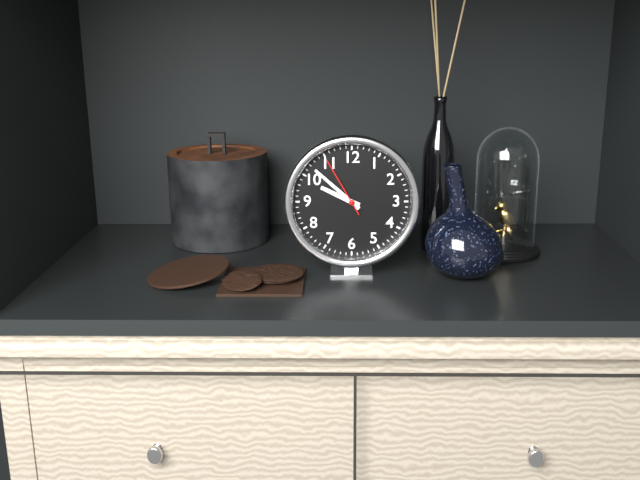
9:52:55
